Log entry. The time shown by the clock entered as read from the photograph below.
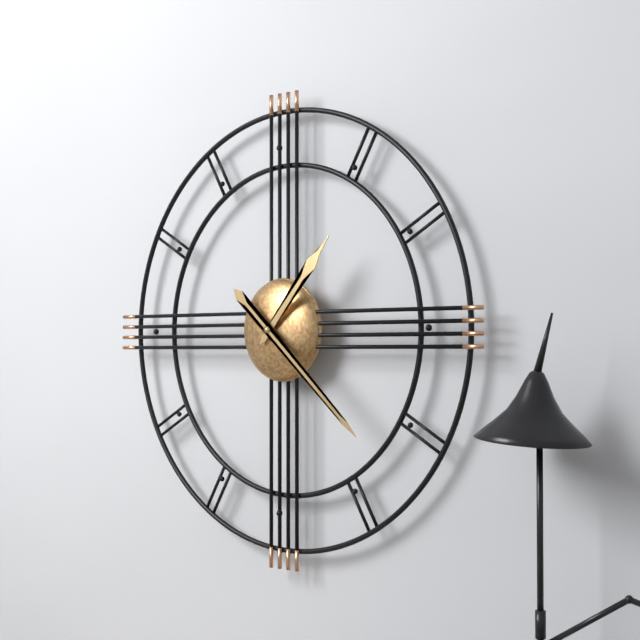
1:22
